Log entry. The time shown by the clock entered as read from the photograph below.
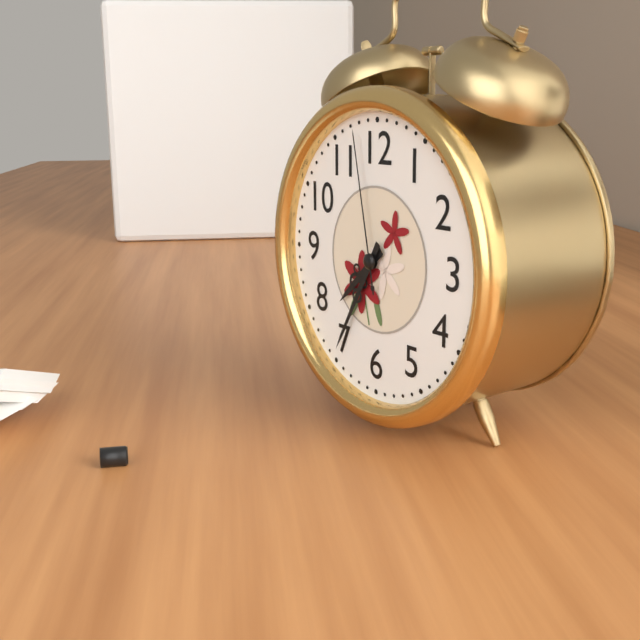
7:35:58
